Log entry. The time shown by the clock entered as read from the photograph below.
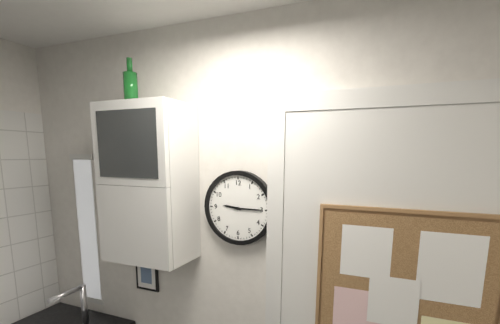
9:15
